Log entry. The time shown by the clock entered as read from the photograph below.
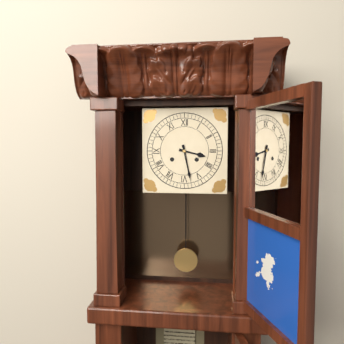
3:28
